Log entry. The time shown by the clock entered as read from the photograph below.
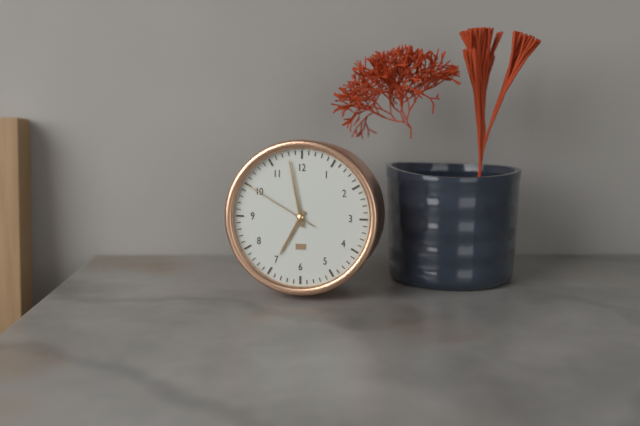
6:58:50
